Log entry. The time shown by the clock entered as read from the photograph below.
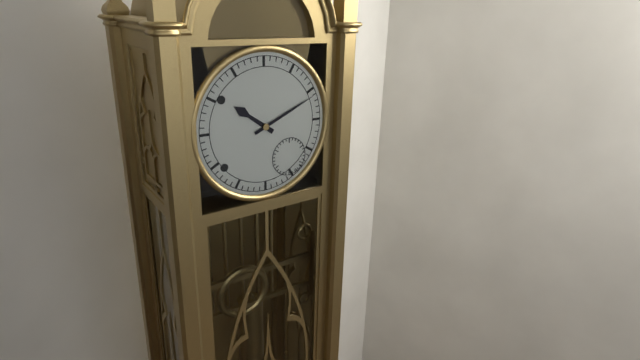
10:11
